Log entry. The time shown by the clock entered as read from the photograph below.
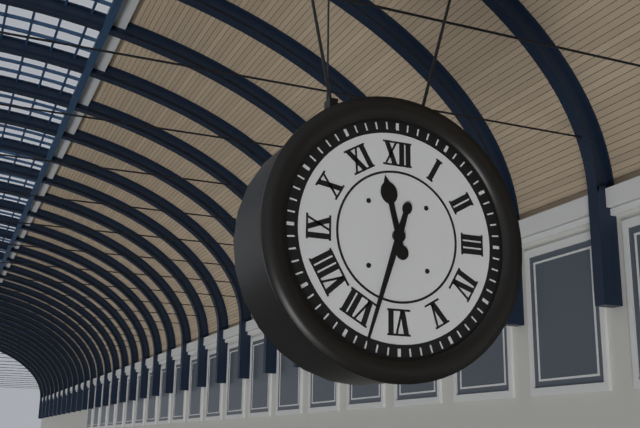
11:33
